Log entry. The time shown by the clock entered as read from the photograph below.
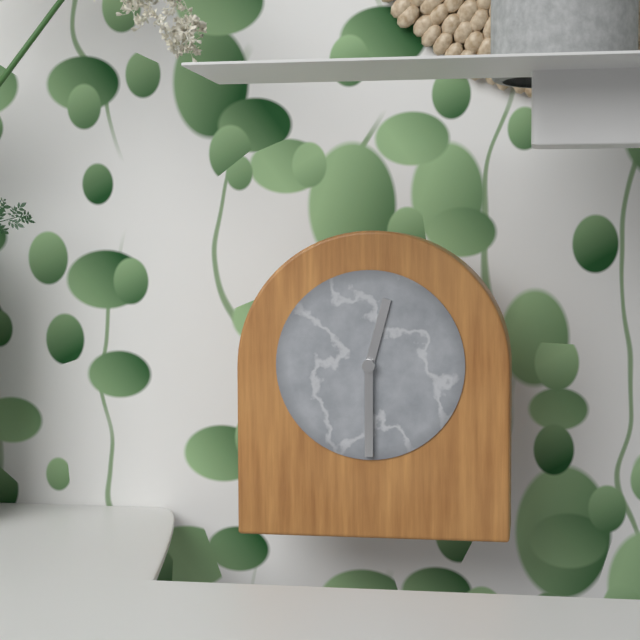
12:30
